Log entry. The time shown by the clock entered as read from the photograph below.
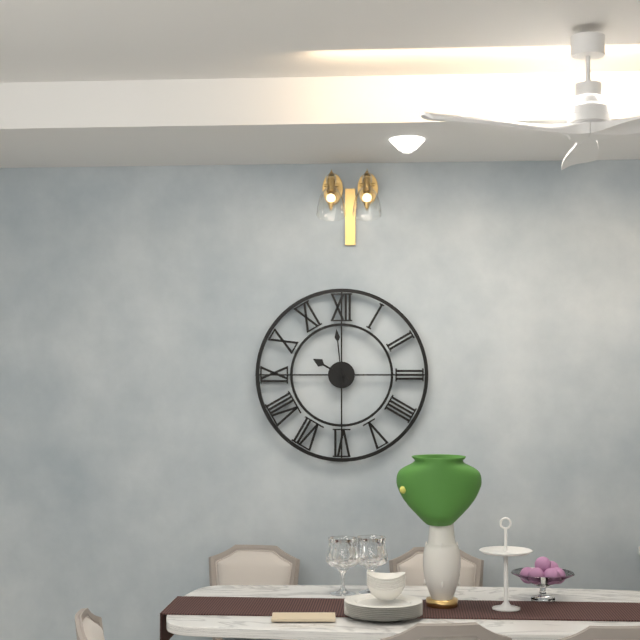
9:59
